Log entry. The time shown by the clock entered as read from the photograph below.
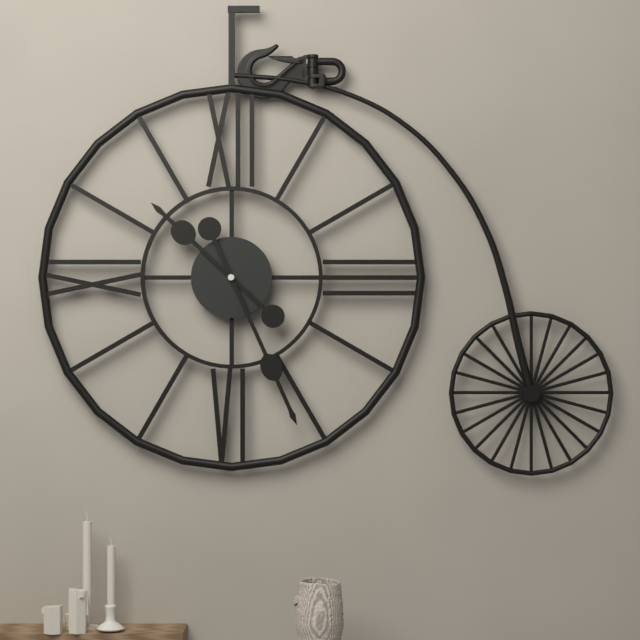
10:26
